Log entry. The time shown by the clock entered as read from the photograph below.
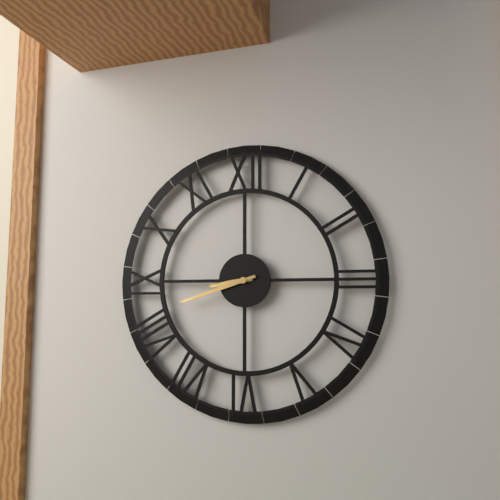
8:42
